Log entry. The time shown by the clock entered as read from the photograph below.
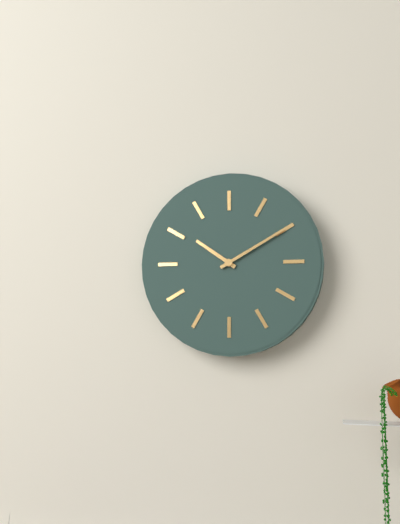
10:10
